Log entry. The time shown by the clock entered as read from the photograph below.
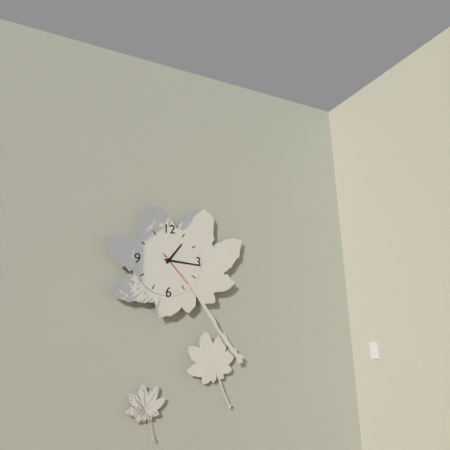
1:16
